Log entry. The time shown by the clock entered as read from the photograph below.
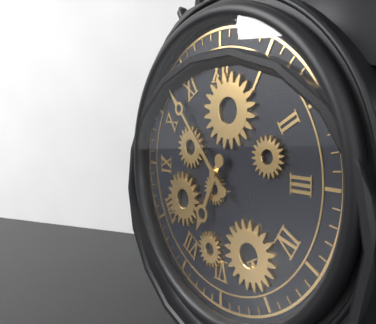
6:53
